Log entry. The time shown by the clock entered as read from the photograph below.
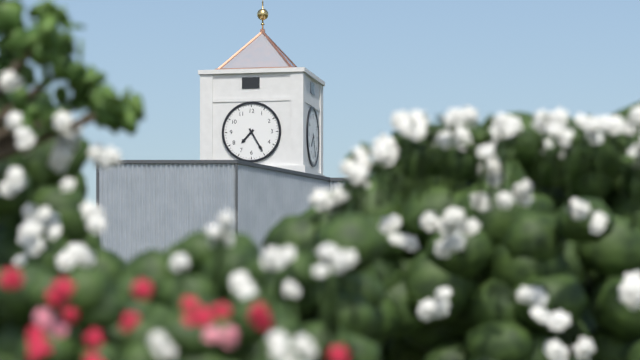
7:25
